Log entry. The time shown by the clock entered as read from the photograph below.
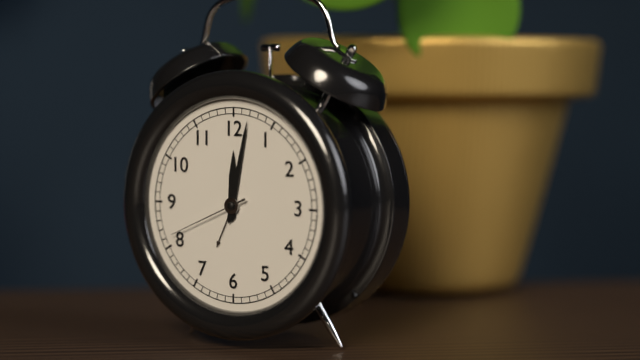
12:02:41
